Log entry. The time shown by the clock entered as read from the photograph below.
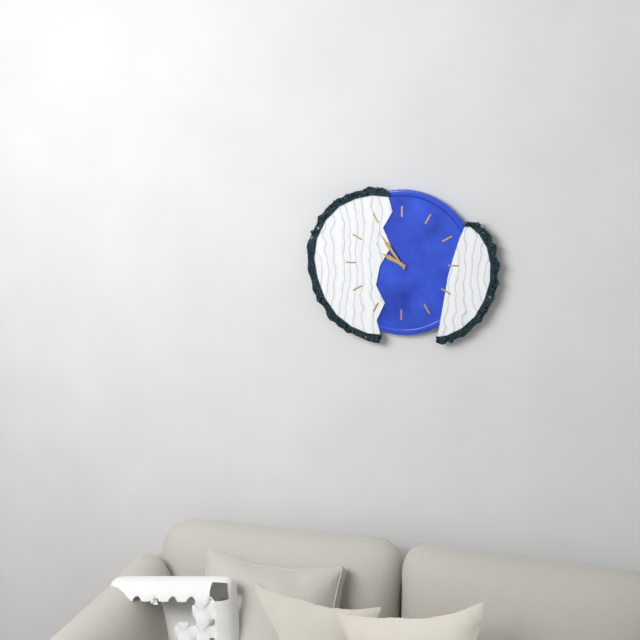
9:54
